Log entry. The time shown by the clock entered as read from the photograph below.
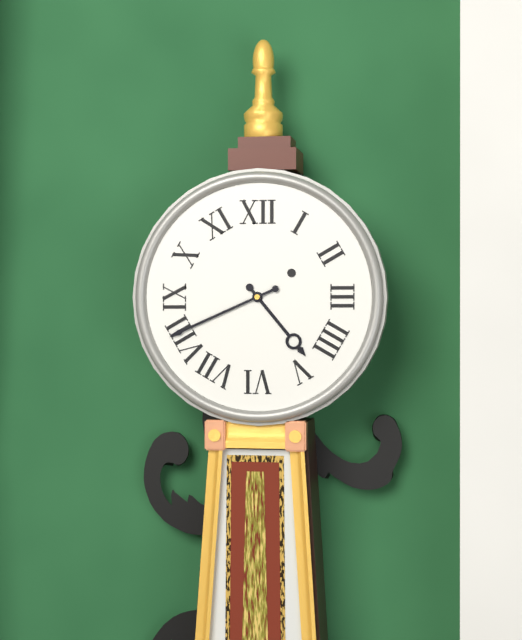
4:41
